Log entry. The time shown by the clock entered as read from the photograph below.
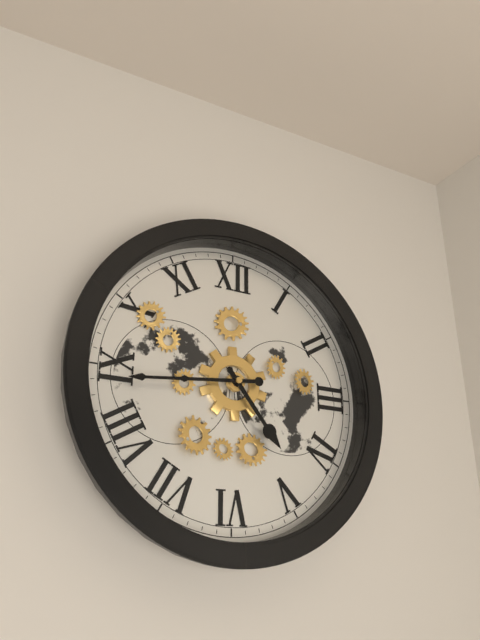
4:44
